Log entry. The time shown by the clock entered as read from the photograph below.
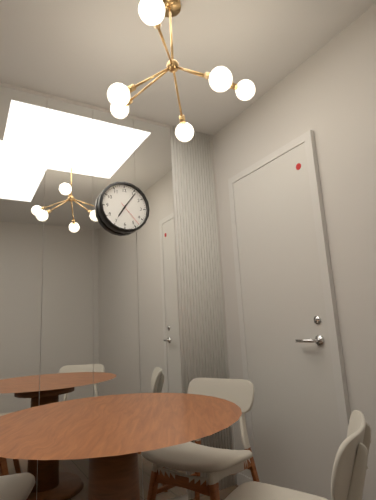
7:06
